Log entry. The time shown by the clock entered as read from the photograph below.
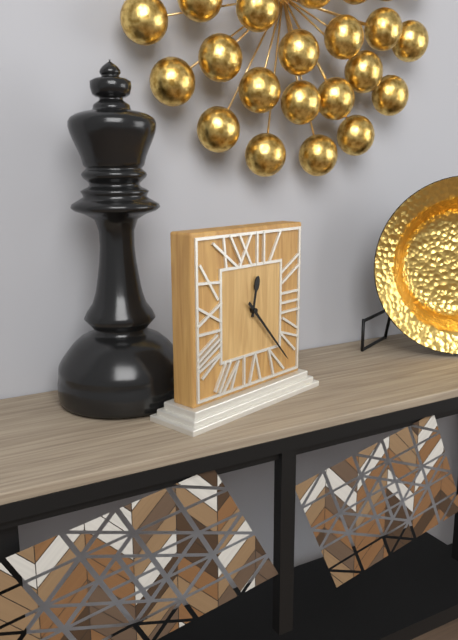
12:23
